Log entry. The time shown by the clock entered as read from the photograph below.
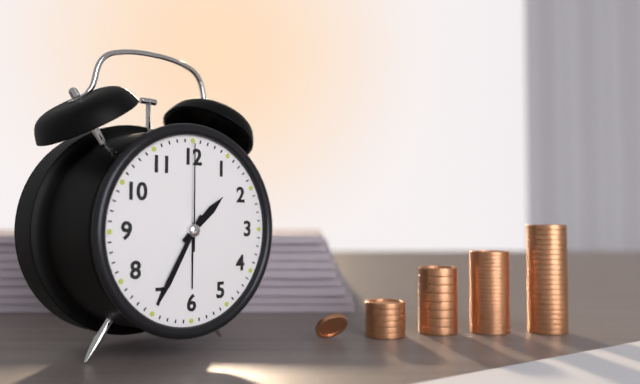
1:35:00
